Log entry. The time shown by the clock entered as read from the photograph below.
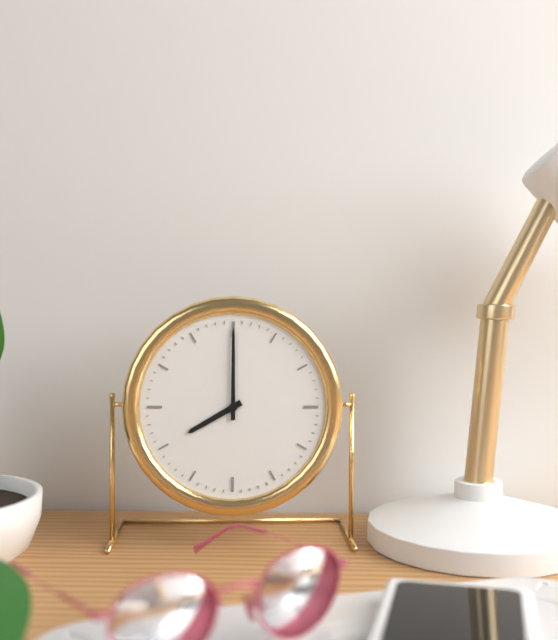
8:00
